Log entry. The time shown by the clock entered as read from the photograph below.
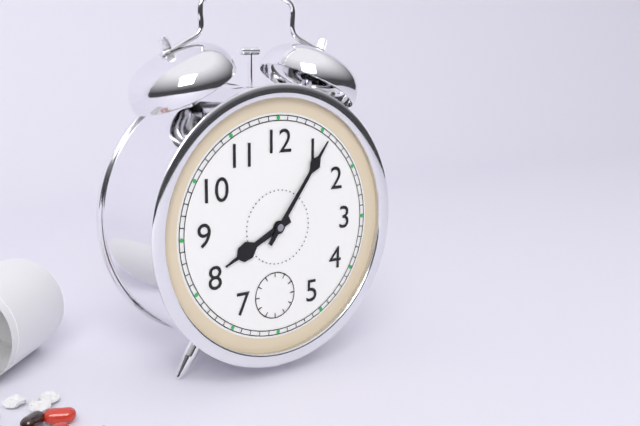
8:06
